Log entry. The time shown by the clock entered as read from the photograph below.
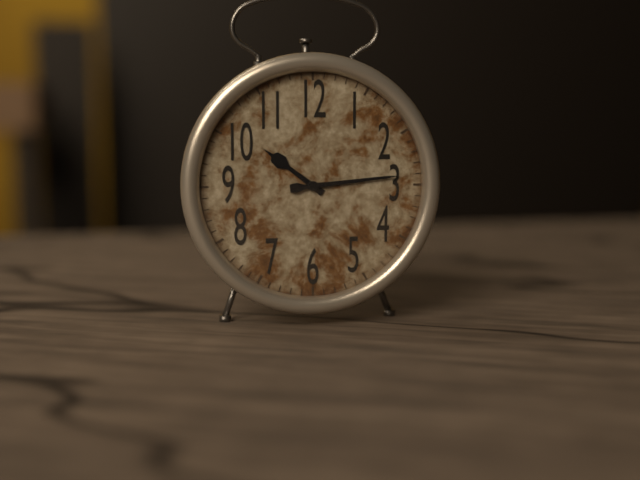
10:14
